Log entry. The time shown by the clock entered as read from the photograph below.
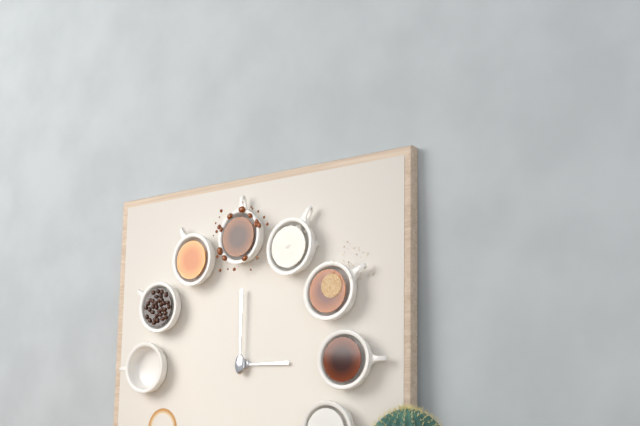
3:00
